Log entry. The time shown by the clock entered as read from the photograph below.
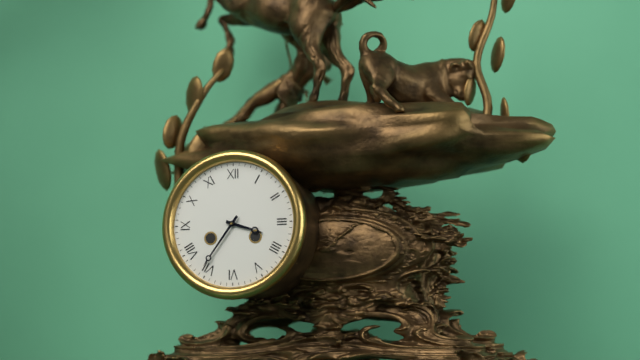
3:36
